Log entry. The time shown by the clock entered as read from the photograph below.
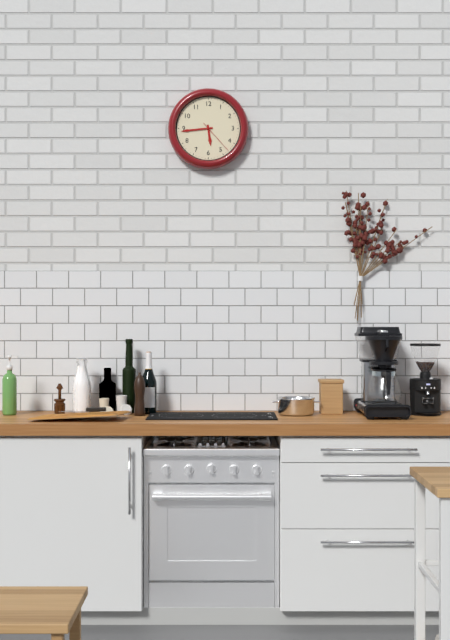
5:44
